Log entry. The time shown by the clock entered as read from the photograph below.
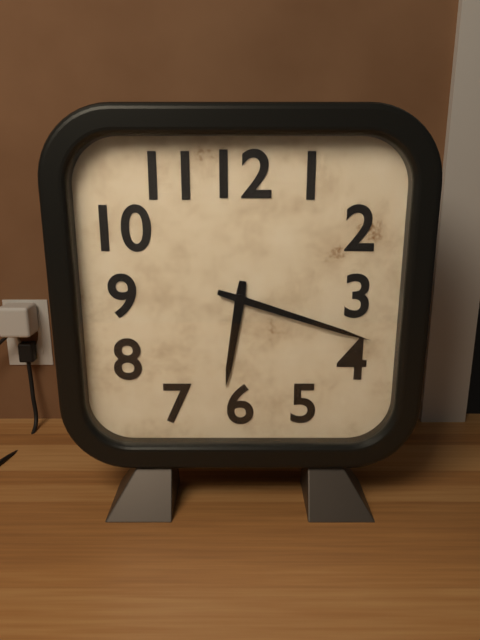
6:18
